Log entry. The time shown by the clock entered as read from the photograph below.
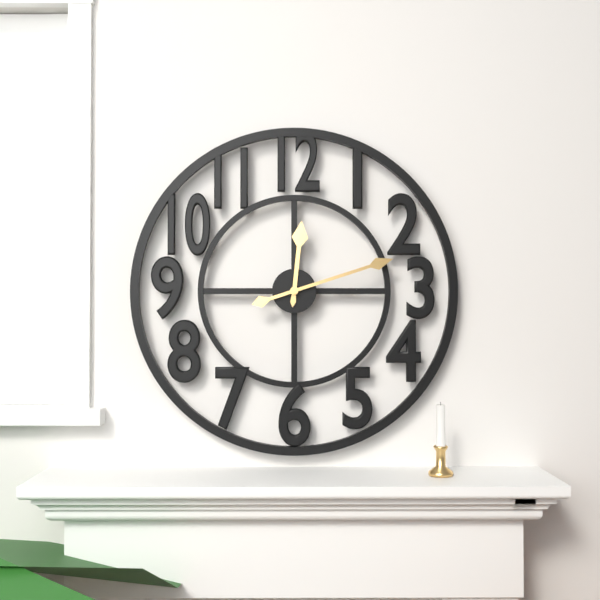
12:12
